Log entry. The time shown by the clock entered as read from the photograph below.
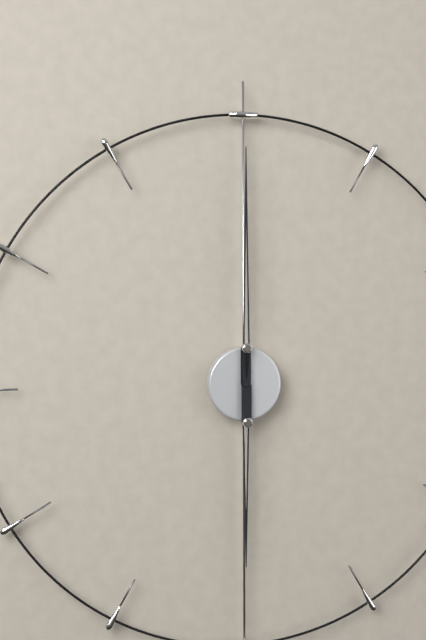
6:00
